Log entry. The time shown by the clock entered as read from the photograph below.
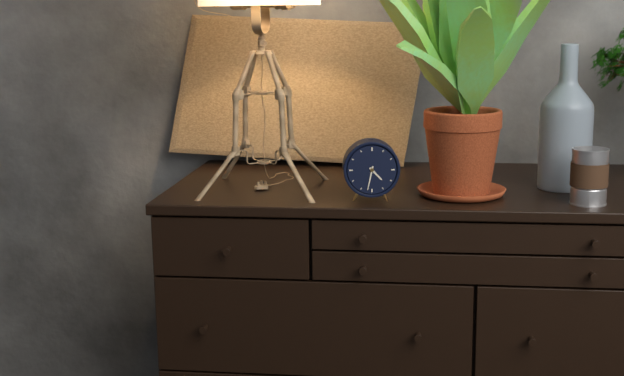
4:32
